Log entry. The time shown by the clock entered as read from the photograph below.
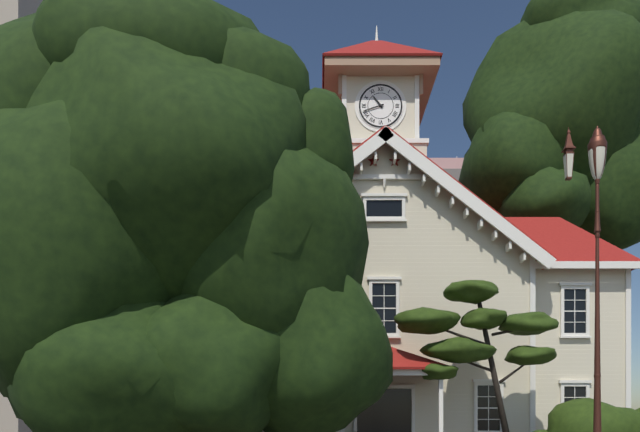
10:42
